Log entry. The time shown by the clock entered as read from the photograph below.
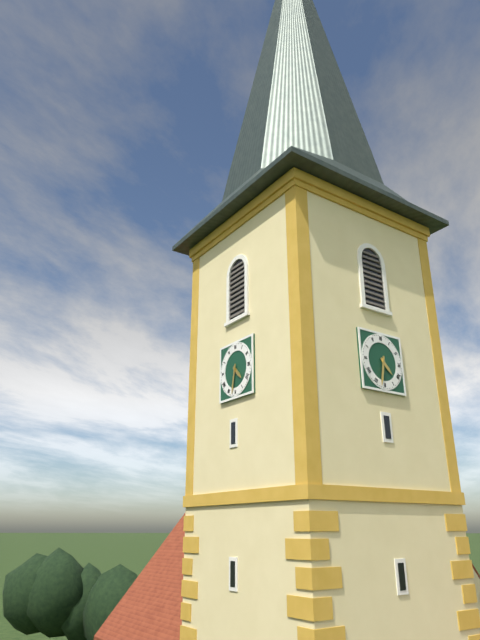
4:32
